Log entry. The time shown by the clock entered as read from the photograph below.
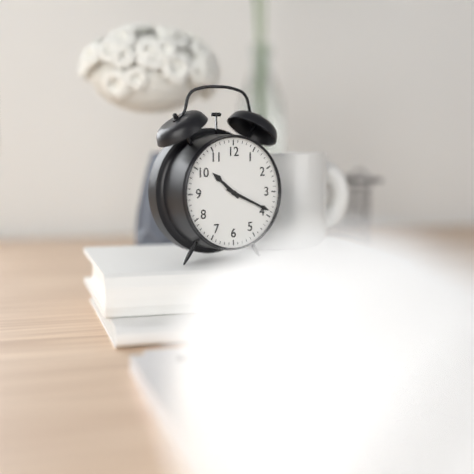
10:19
